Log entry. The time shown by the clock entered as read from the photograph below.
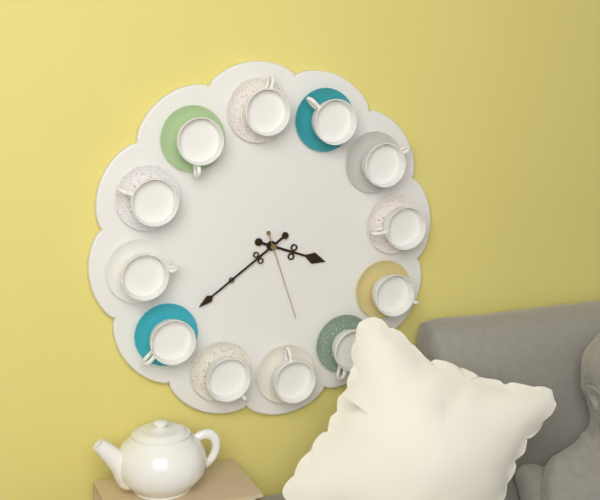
3:39:27
